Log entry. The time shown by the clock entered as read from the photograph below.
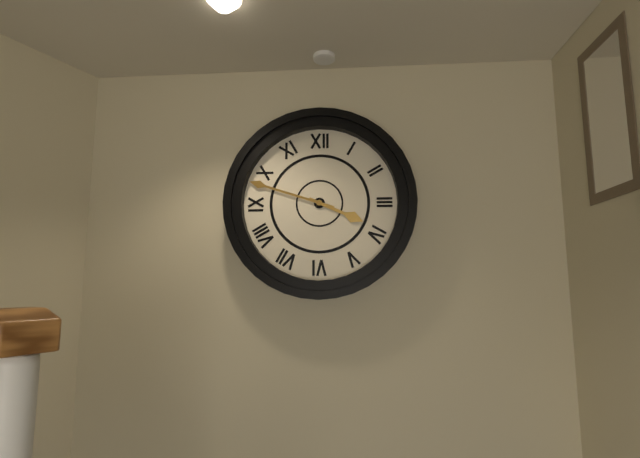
3:48
